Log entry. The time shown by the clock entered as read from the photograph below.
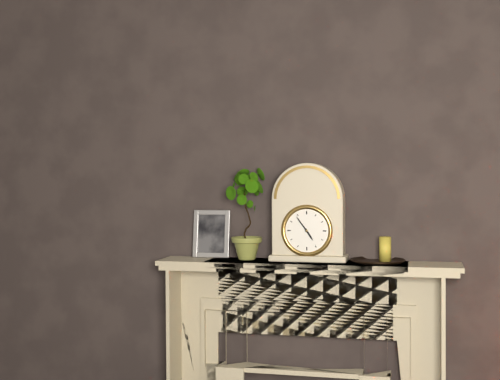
4:54
